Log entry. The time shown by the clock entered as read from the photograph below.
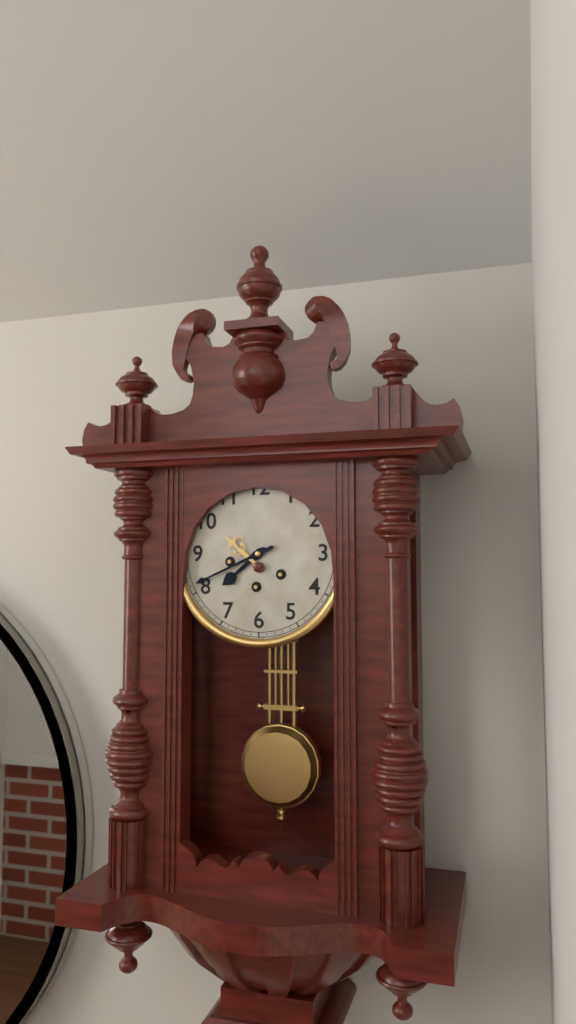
7:41
